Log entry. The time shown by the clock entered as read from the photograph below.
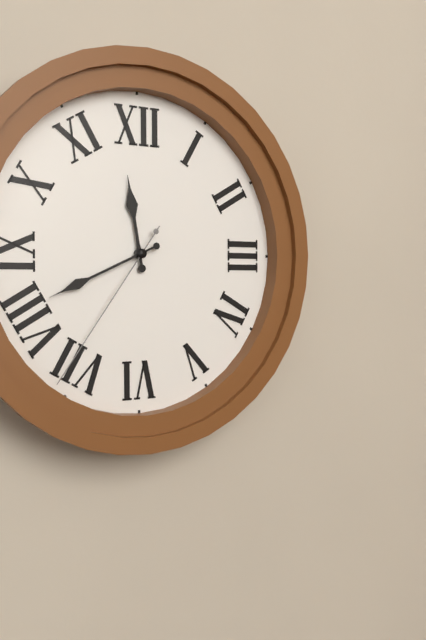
11:41:36
